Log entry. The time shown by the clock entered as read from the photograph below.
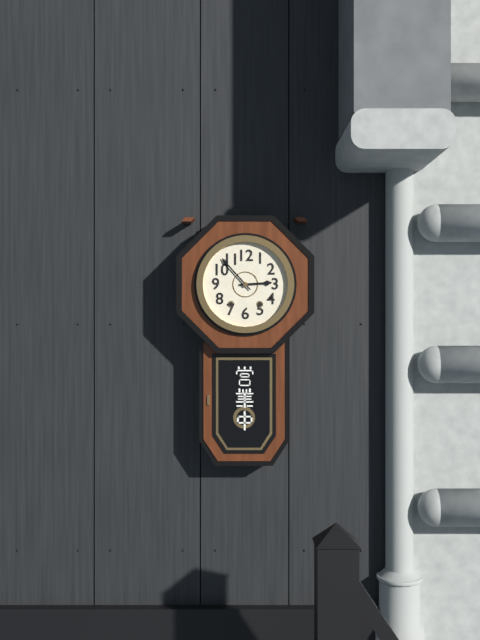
2:53
